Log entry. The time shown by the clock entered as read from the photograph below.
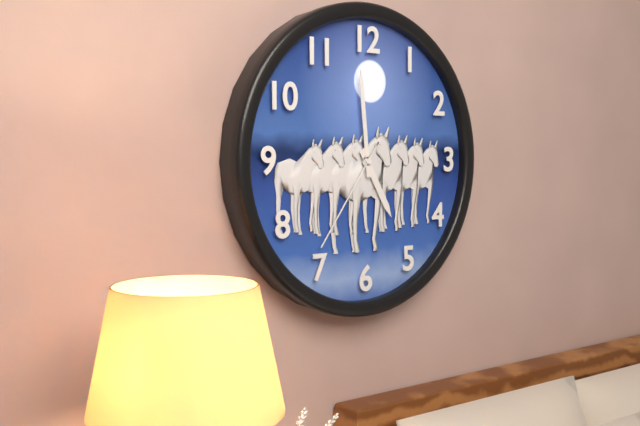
4:59:36
